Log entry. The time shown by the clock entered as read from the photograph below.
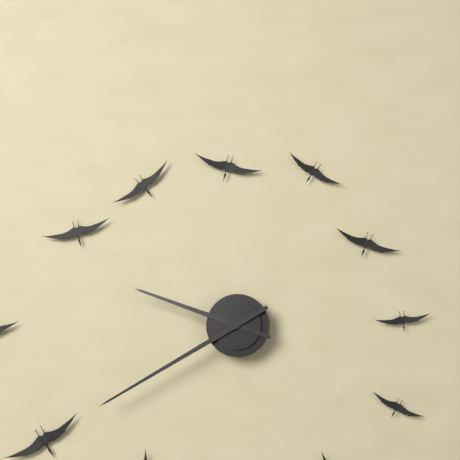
9:40
